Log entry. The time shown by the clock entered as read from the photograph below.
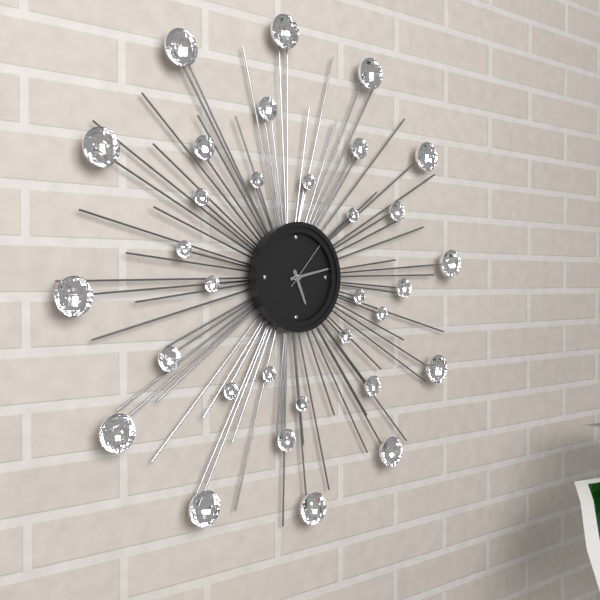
5:13:07
